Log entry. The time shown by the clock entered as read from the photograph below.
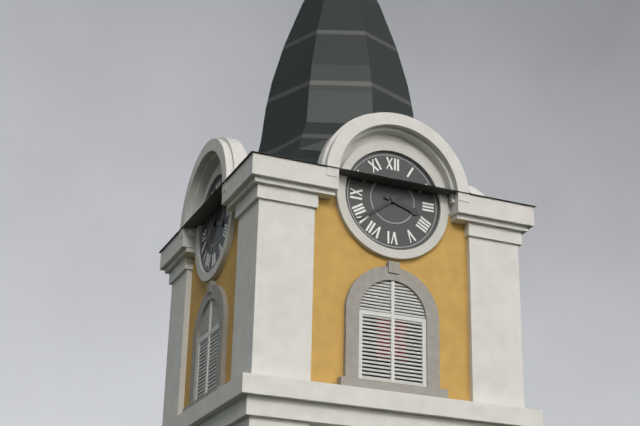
3:39
